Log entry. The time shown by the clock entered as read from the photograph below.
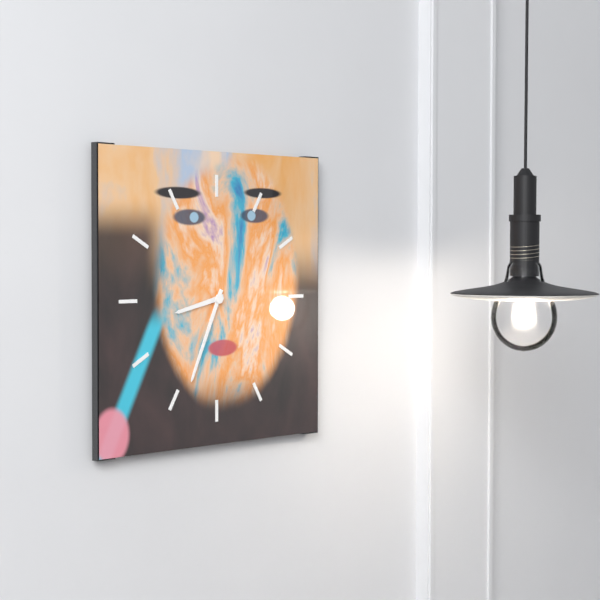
8:34
